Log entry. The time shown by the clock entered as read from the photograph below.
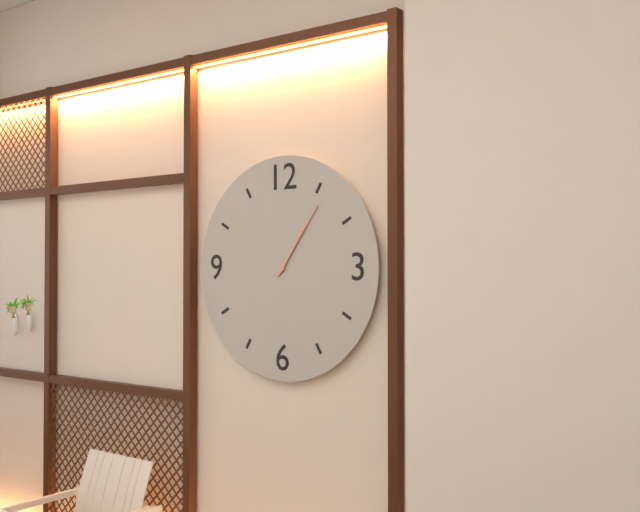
1:06
